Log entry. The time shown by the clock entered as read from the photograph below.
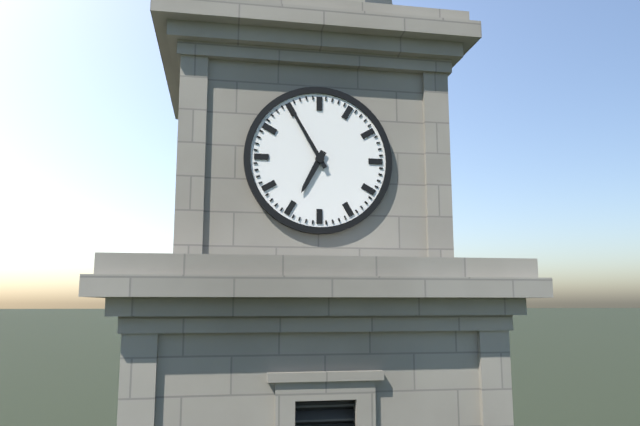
6:55
